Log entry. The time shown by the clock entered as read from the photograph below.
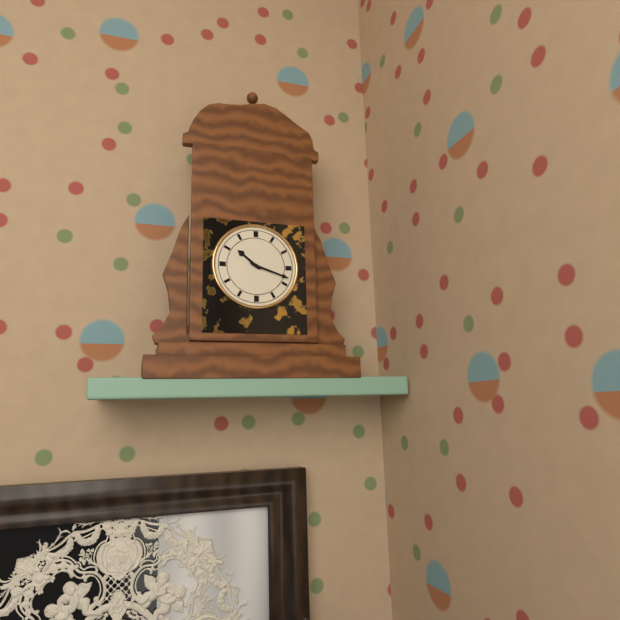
10:18
